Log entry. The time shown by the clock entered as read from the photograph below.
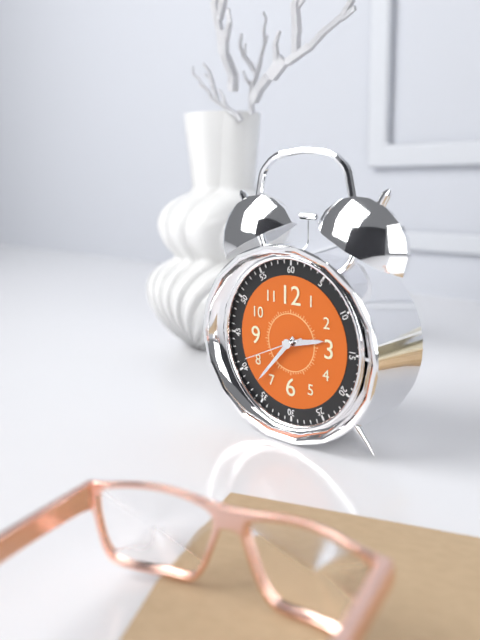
2:37:41
